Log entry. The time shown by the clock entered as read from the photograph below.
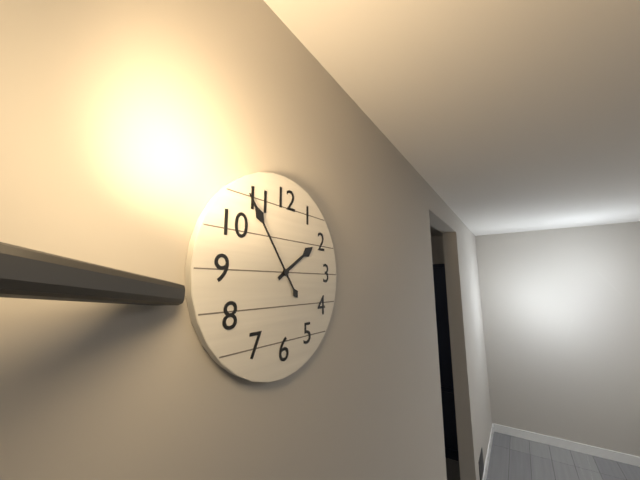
1:54
